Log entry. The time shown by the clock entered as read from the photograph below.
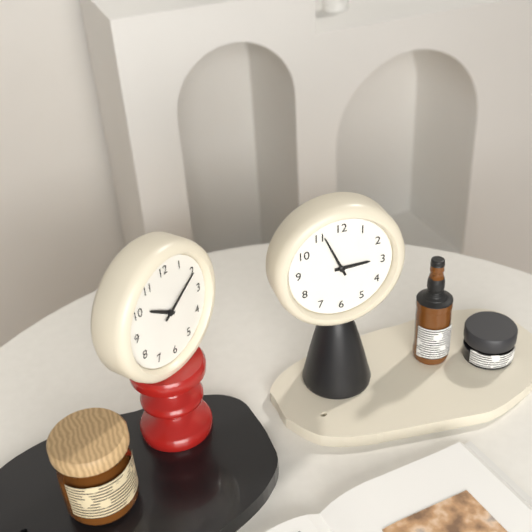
2:56
